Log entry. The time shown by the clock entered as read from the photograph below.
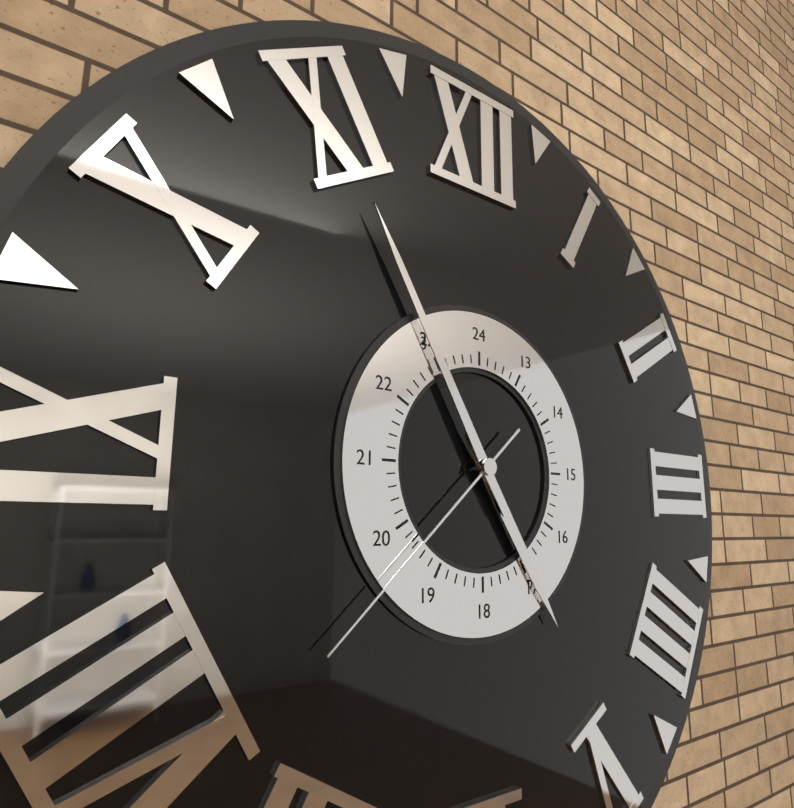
4:55:38
